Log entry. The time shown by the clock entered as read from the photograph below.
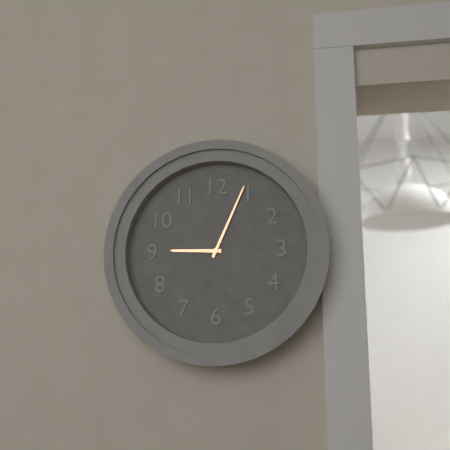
9:04
